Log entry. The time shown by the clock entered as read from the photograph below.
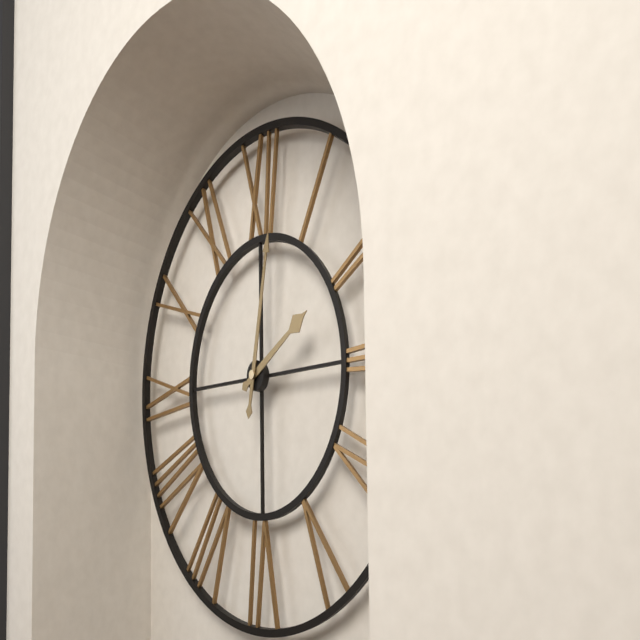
2:02
